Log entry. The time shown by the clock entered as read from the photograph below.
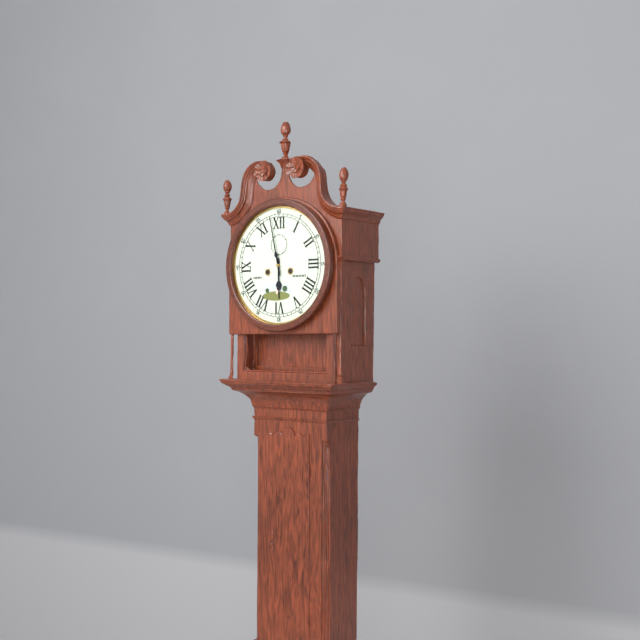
5:58
